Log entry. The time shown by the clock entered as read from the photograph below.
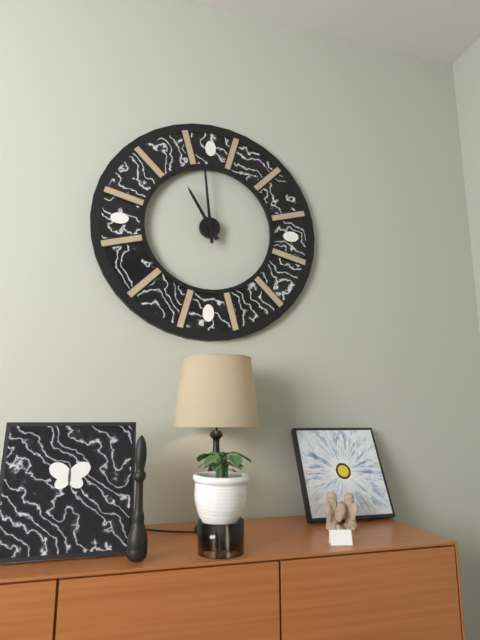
10:59
